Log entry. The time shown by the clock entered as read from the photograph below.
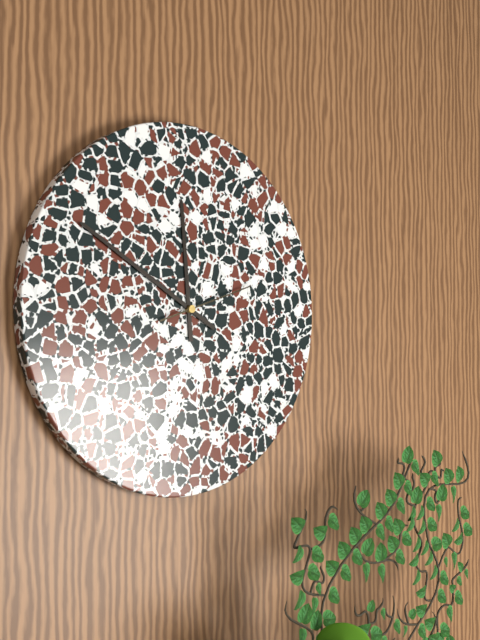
11:50:12
